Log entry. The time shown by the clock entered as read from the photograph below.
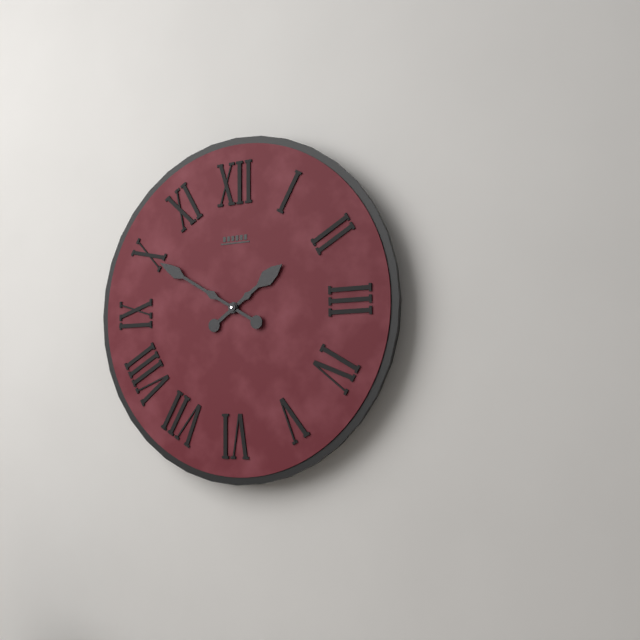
1:50
